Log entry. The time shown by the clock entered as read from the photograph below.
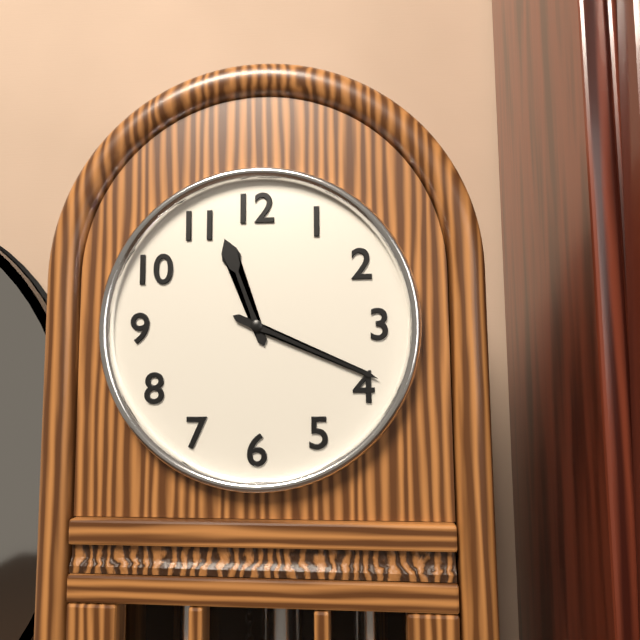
11:19
